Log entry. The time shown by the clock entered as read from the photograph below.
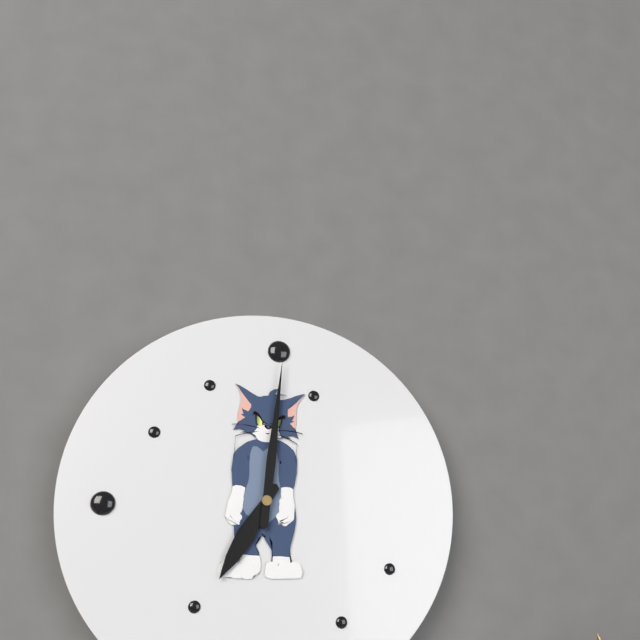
7:01
